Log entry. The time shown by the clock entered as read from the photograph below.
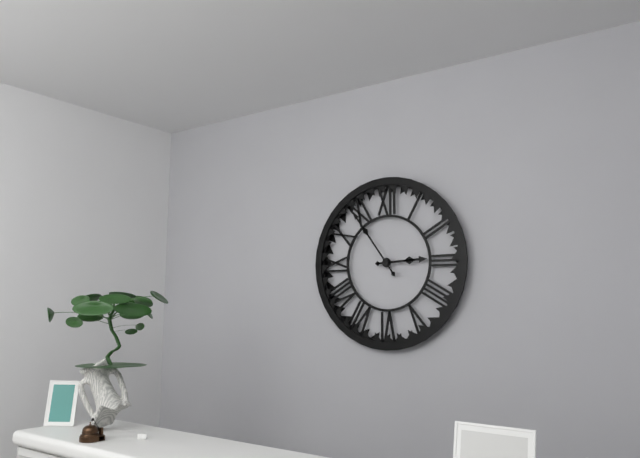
2:54
